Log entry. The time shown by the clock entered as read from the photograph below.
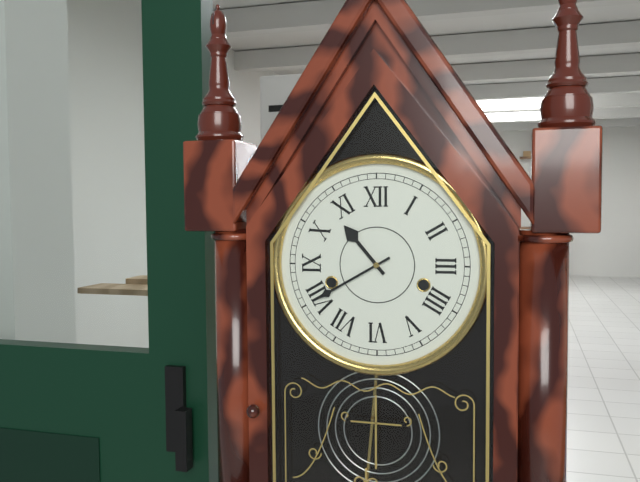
10:40
